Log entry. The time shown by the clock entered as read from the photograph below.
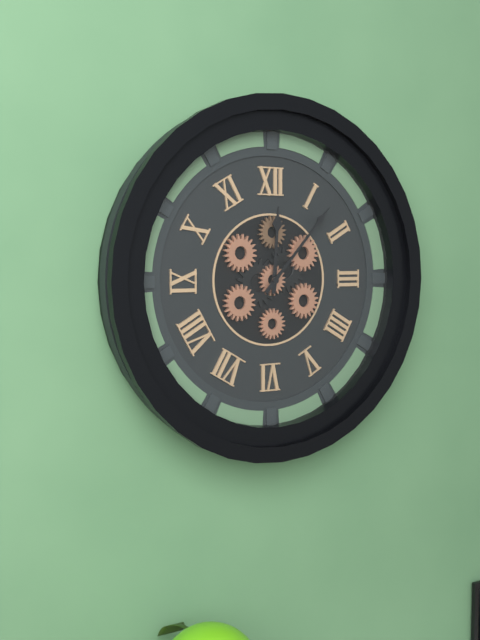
12:07
